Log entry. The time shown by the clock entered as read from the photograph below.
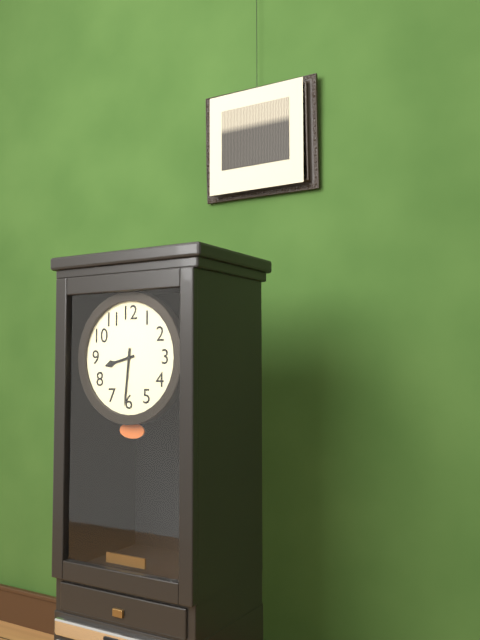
8:31
